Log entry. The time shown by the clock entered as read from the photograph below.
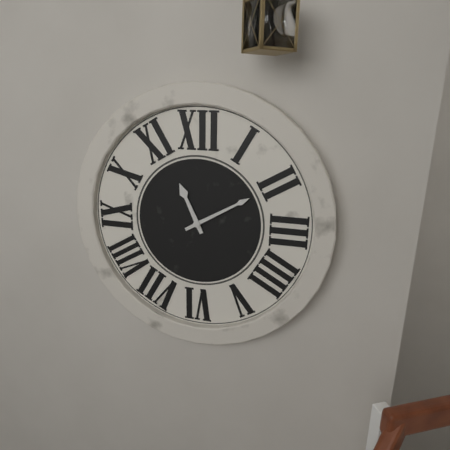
11:10
